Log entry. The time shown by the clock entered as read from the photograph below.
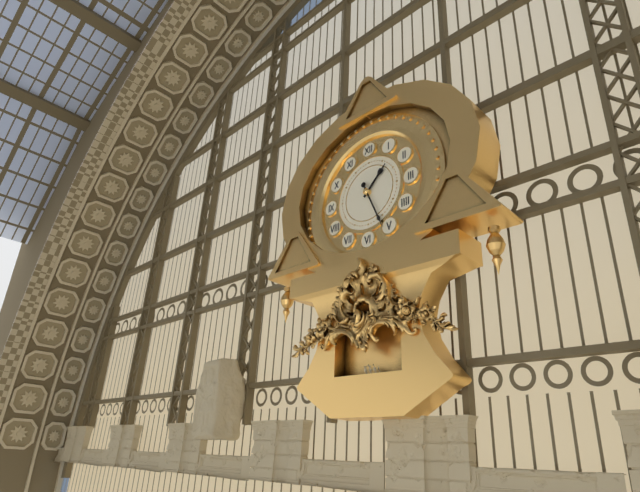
1:26
